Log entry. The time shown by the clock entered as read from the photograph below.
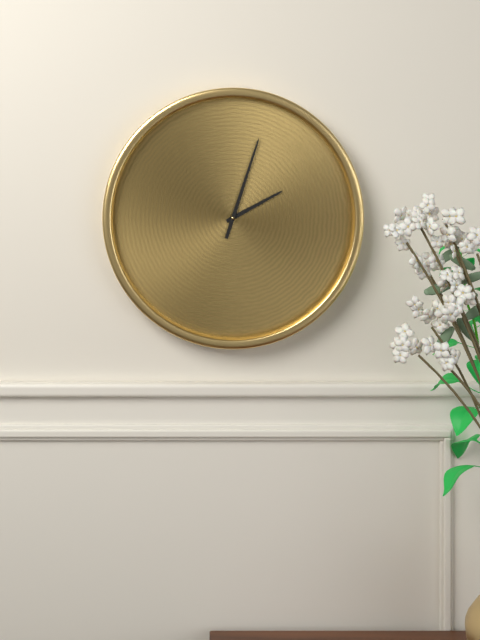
2:03
